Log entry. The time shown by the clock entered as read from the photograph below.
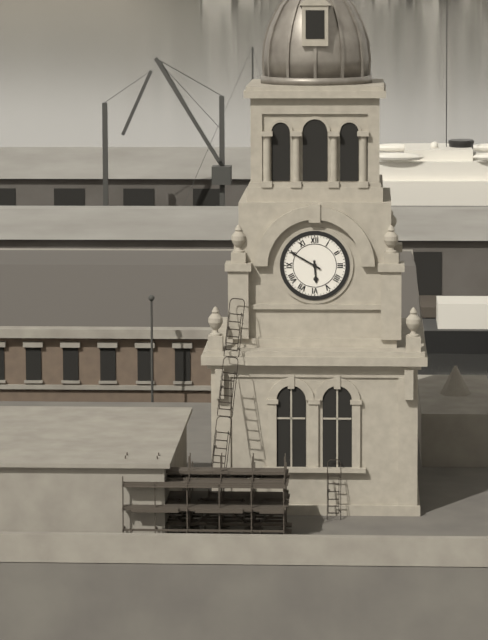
5:50
